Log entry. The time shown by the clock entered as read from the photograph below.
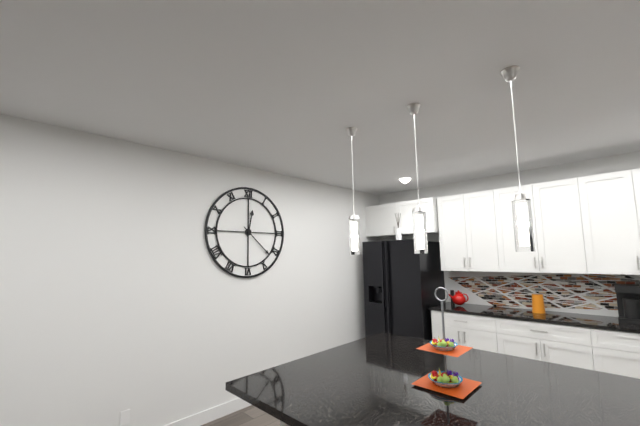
12:22
